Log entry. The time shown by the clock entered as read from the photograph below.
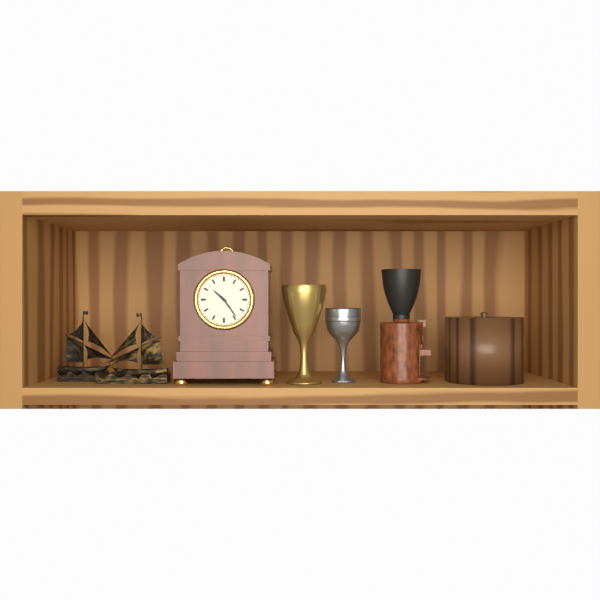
10:24
